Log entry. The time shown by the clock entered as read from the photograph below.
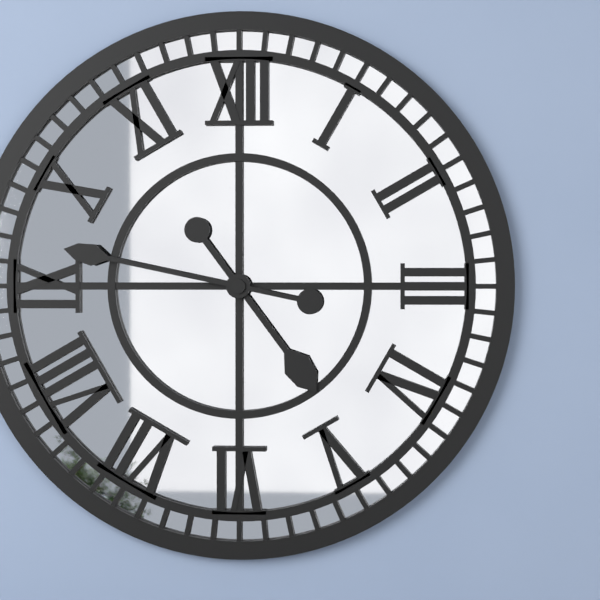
4:47
